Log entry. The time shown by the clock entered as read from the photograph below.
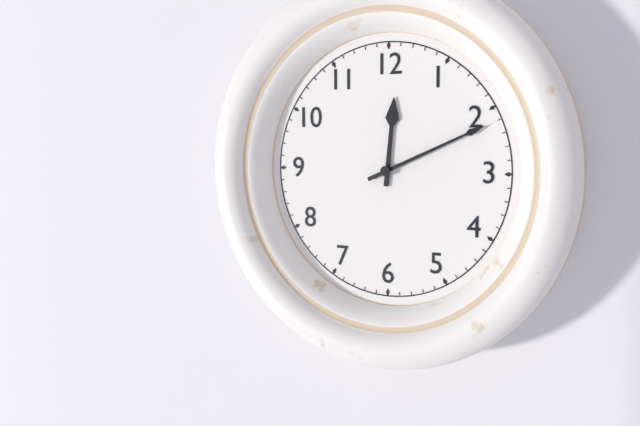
12:11
